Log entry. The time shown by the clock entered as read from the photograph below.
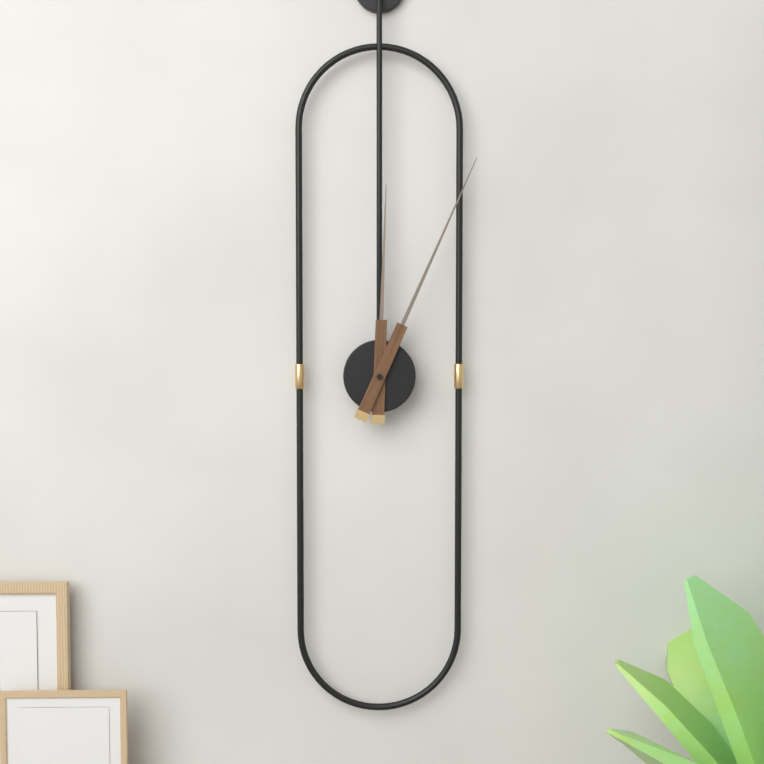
12:04
